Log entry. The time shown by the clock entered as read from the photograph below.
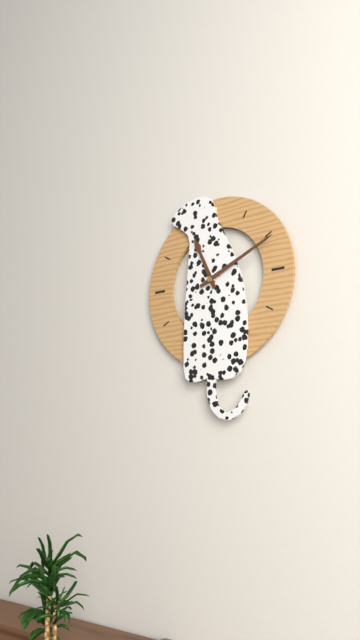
11:11
